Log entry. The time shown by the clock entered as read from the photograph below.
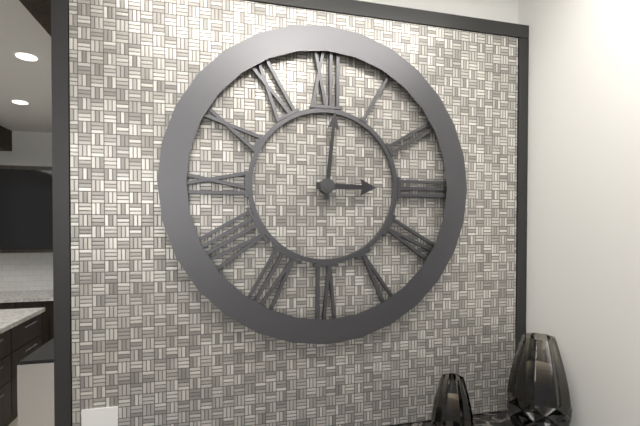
3:01
